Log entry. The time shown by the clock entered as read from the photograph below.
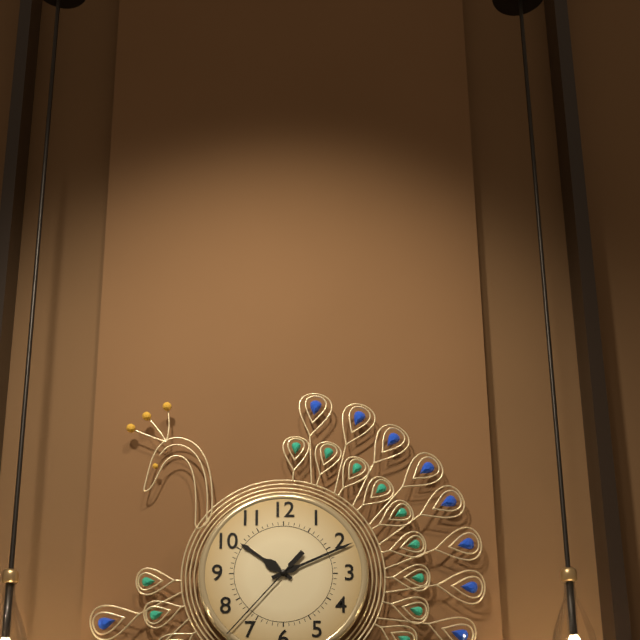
10:11:37
